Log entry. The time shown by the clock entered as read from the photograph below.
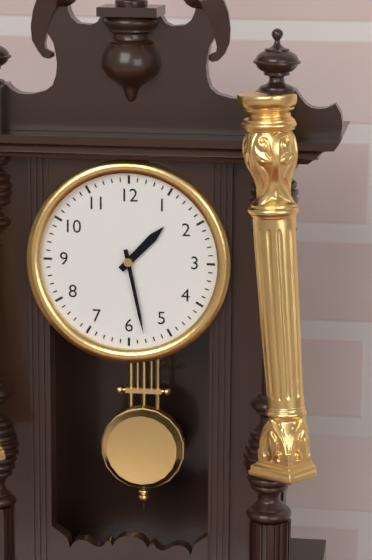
1:28
